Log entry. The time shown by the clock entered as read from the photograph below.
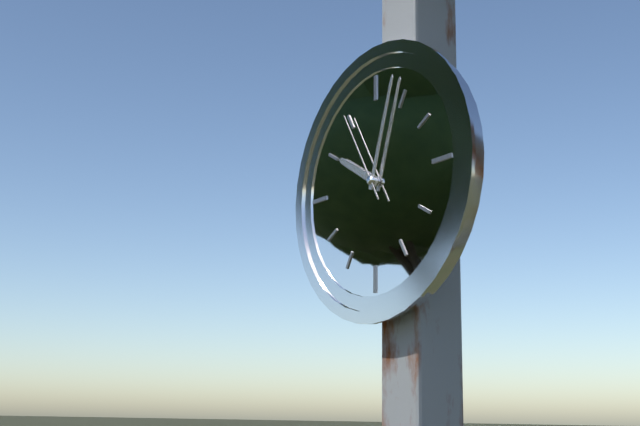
10:03:55
